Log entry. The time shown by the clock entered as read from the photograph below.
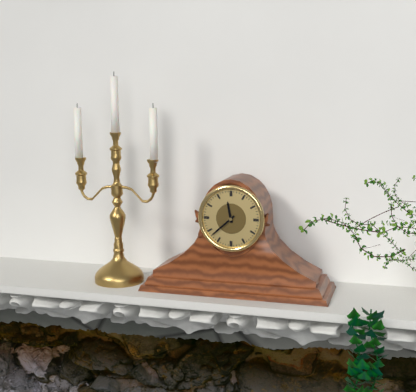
11:38
